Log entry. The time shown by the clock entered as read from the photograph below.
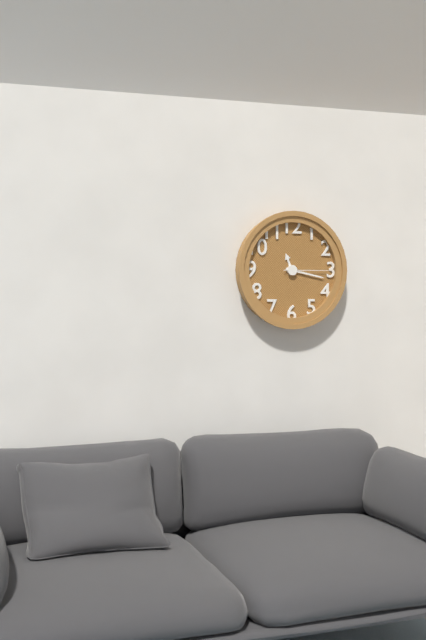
11:17
